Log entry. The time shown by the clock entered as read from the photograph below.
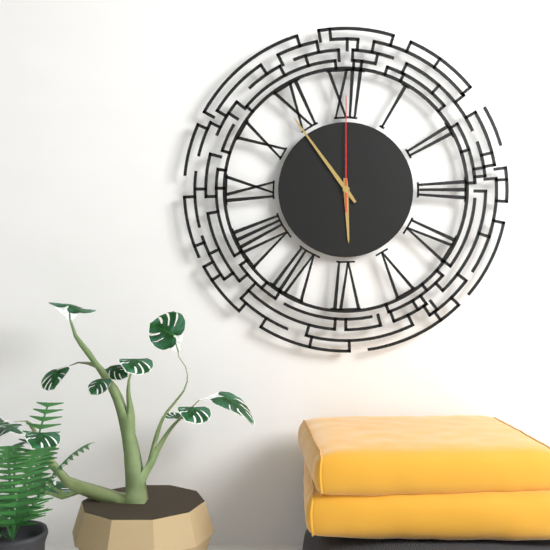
5:54:00
